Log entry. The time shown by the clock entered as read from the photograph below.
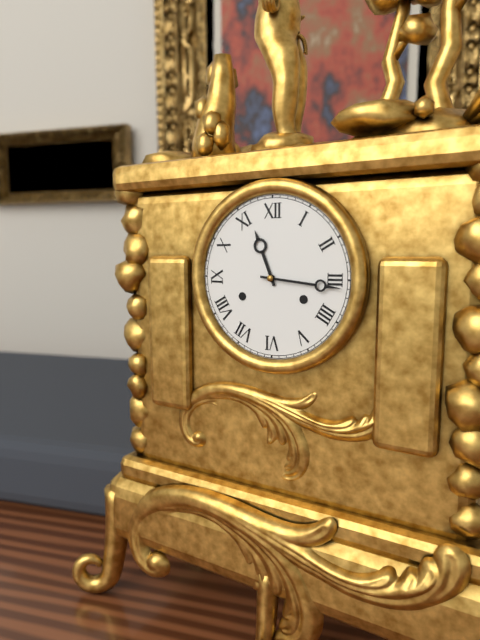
11:16
